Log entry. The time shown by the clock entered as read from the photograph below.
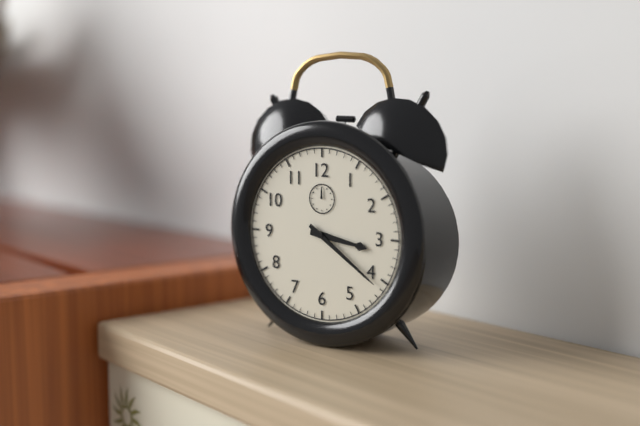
3:21
